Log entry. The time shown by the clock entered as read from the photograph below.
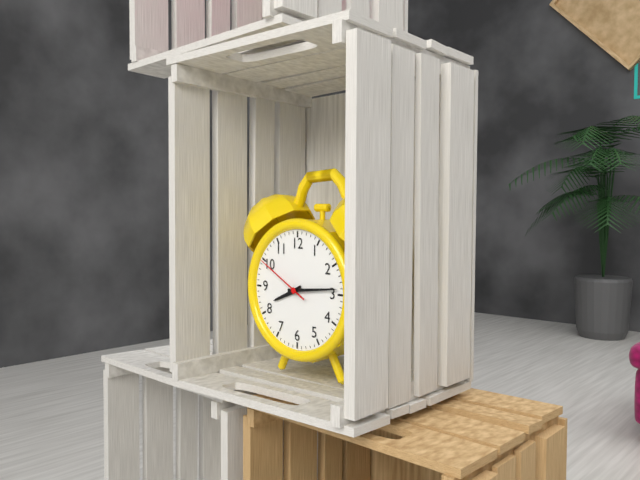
8:14:50
